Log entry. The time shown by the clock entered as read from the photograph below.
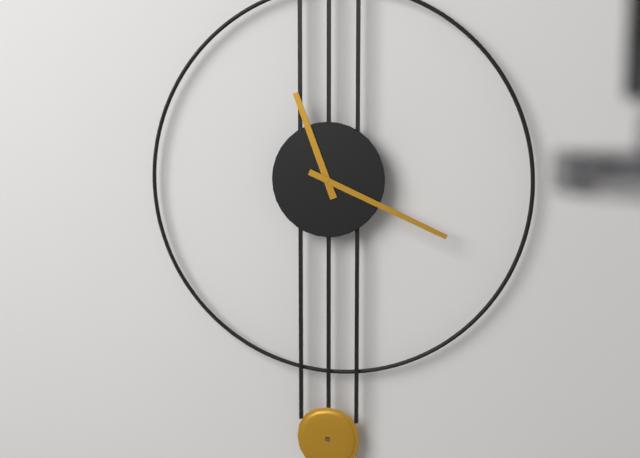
11:19
